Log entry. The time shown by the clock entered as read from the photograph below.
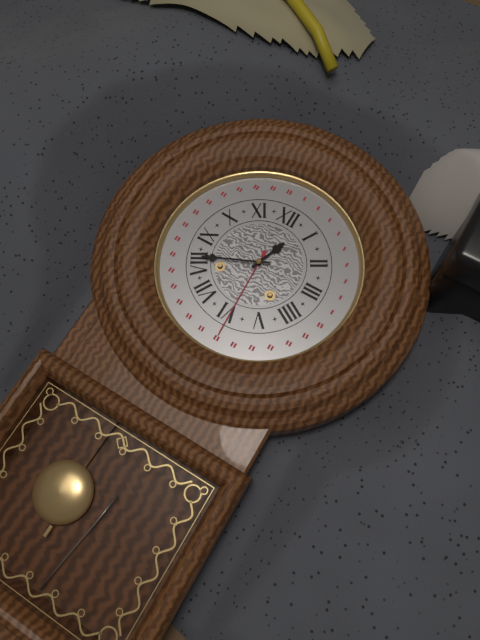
12:41
